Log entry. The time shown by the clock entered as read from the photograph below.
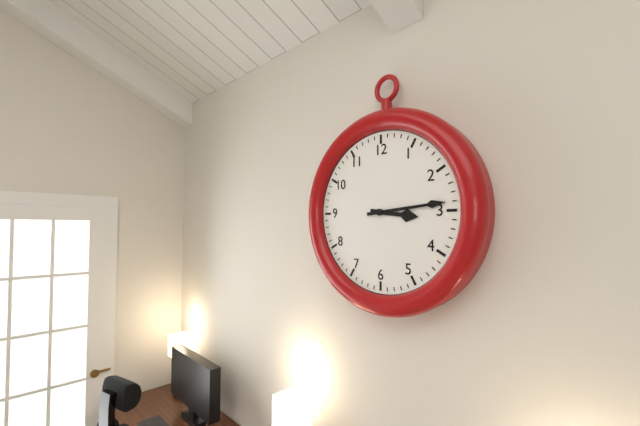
3:14
